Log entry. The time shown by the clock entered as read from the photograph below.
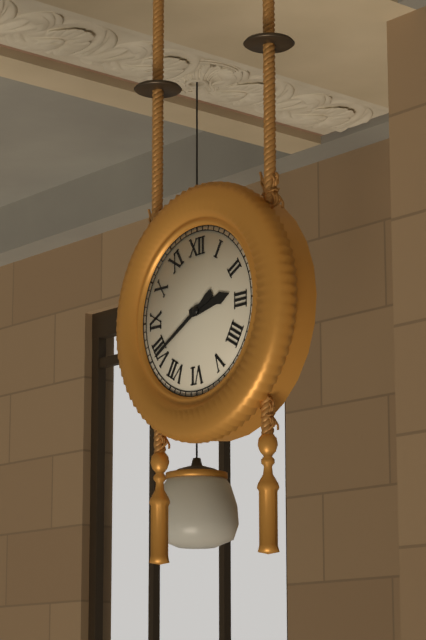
2:40
